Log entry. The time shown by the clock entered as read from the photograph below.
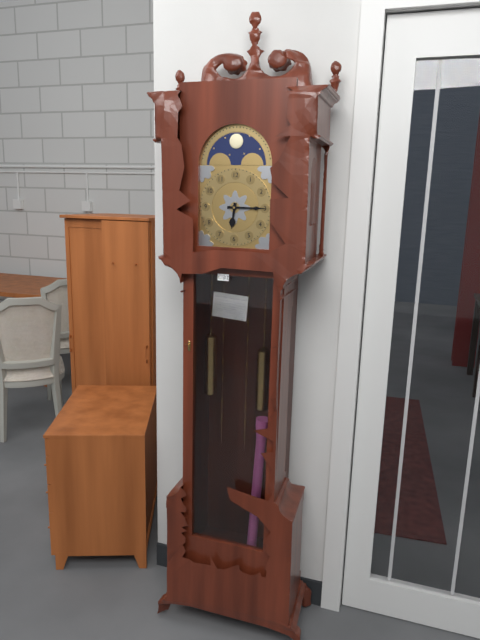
6:15
